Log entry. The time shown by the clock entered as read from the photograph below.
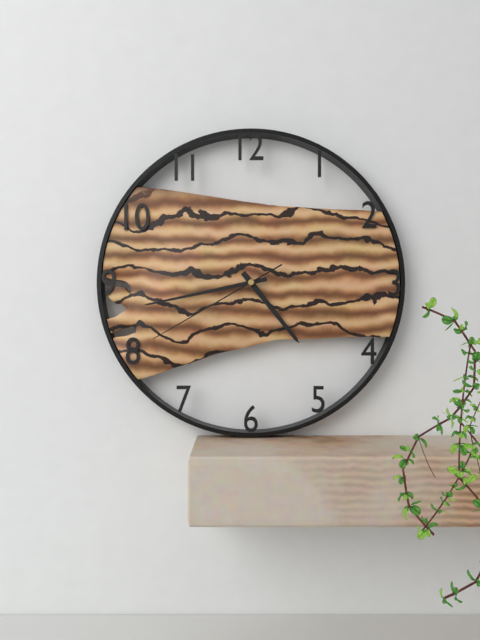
4:43:40
